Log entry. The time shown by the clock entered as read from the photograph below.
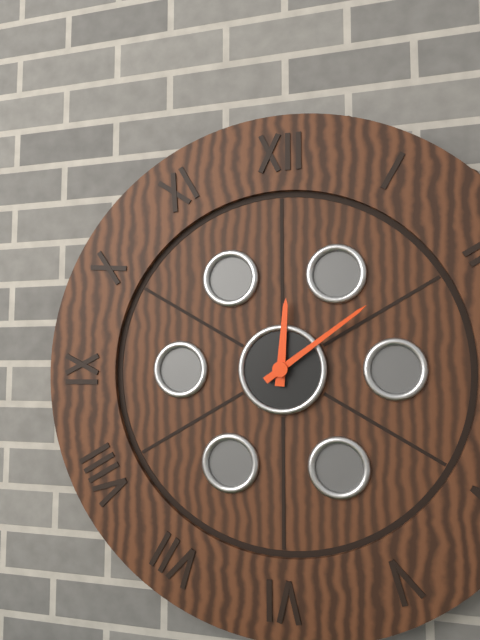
12:09
